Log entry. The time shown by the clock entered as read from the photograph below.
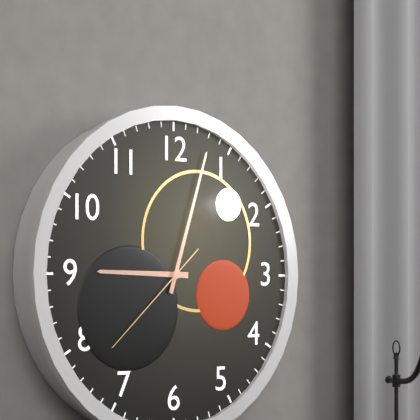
9:03:38
